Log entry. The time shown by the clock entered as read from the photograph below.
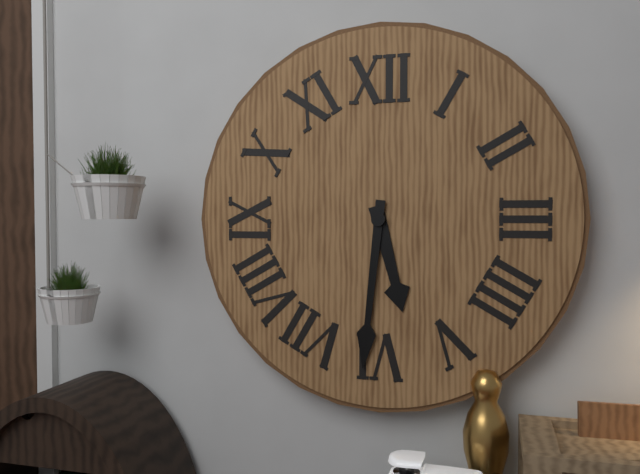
5:31
